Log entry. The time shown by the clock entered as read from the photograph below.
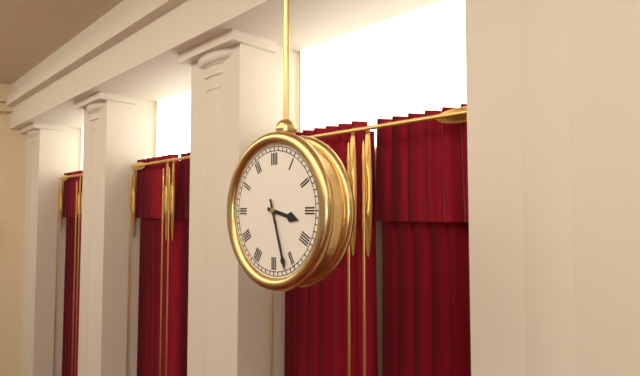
3:27
